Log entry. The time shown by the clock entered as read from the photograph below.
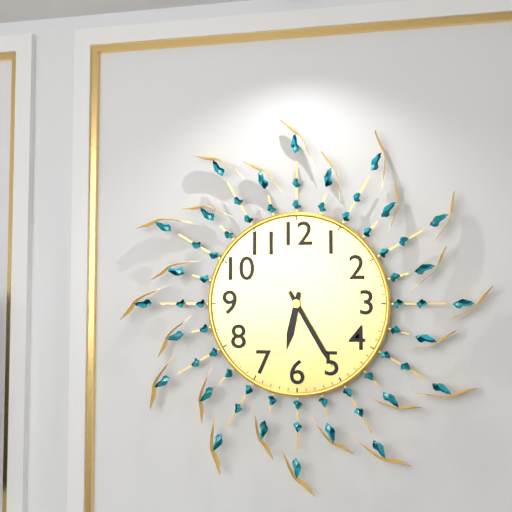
6:25
